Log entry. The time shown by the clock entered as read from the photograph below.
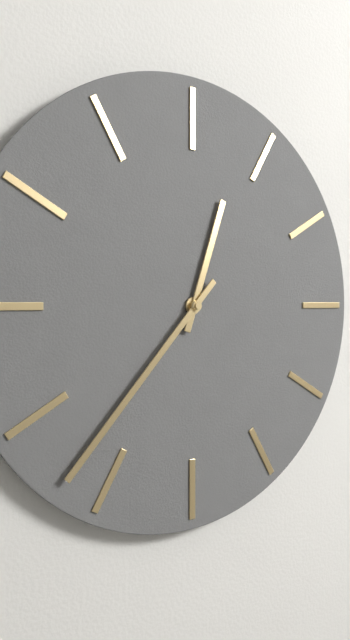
12:37
